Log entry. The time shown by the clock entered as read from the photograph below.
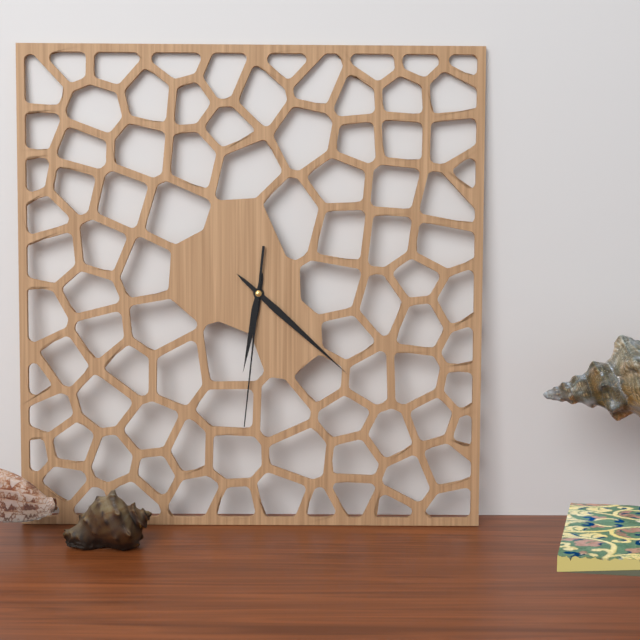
6:22:31
